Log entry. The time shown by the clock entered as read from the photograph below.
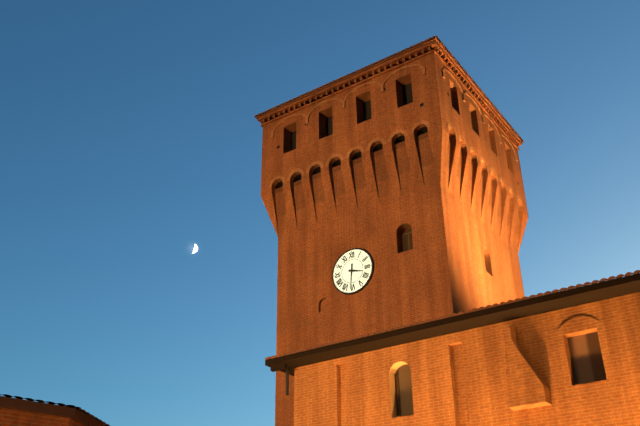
3:31
